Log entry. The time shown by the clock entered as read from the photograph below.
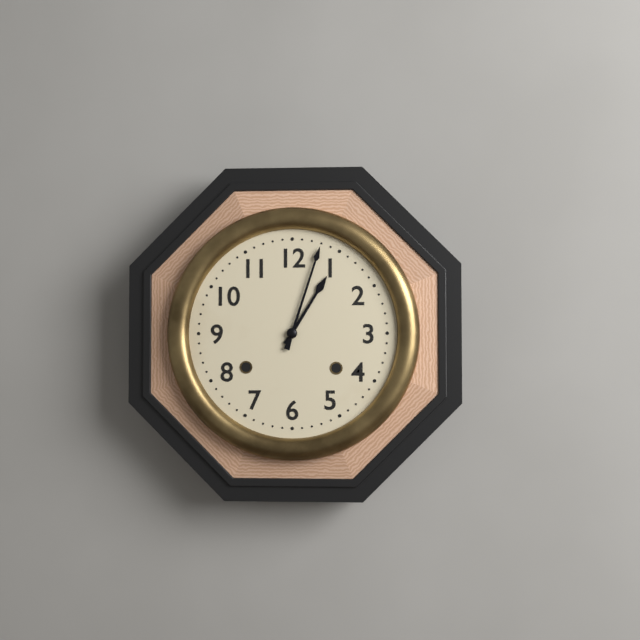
1:03
